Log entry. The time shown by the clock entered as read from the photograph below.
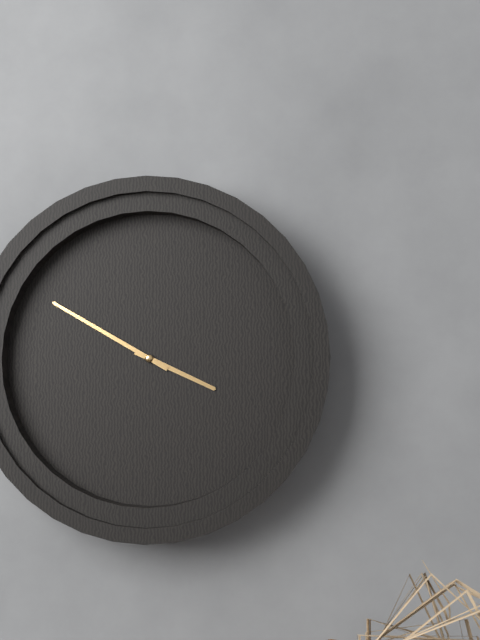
3:50
